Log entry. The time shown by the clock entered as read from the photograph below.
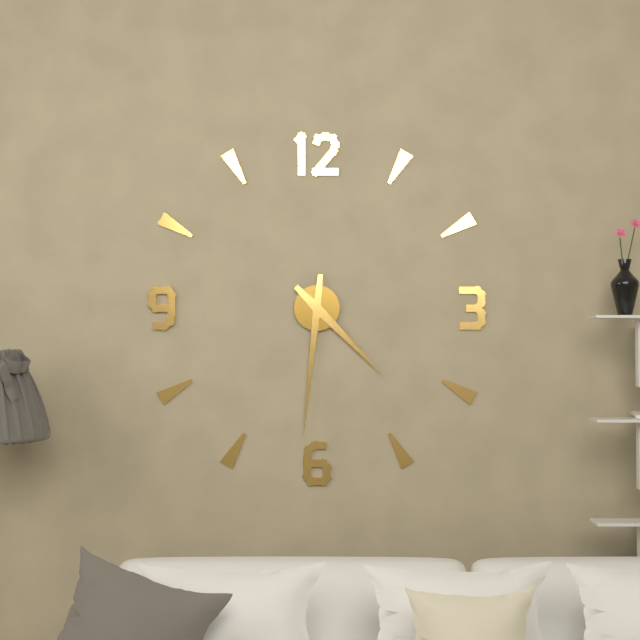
4:31
